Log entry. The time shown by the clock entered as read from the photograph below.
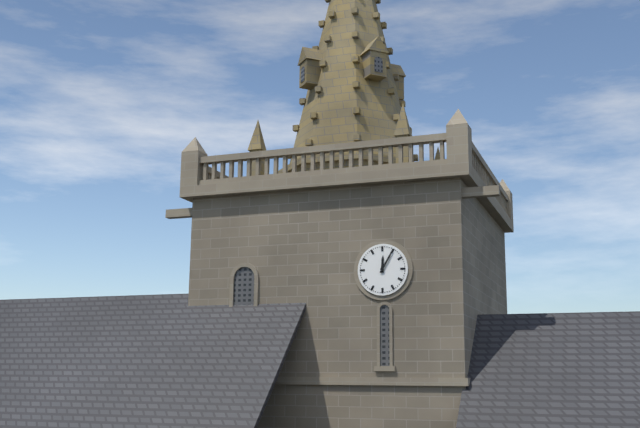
12:05
